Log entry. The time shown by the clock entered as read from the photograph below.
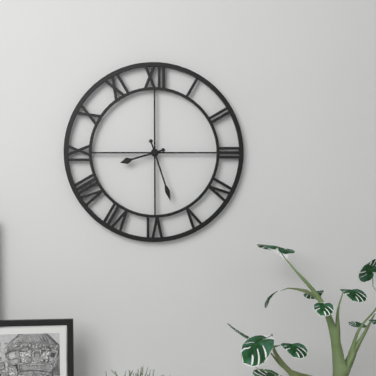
8:27
